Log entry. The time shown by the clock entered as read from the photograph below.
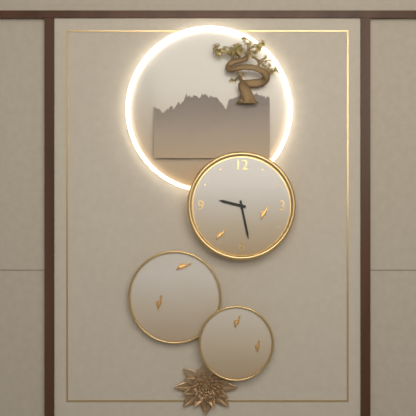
9:28
